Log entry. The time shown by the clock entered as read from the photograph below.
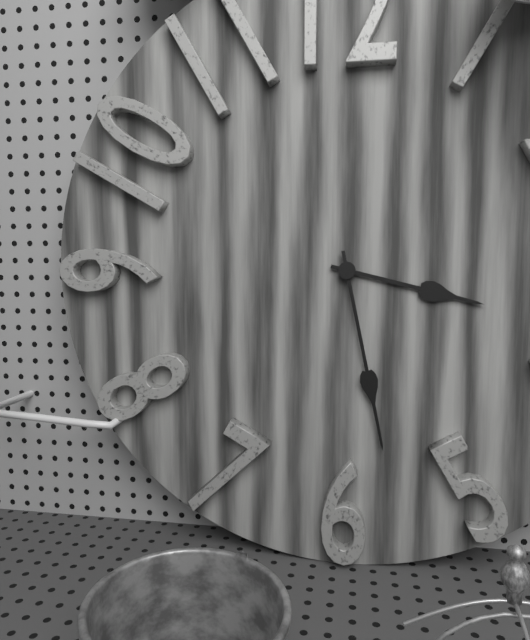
3:28
